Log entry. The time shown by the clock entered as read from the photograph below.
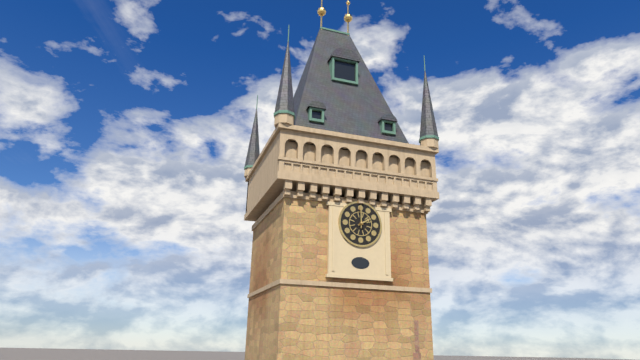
2:00
